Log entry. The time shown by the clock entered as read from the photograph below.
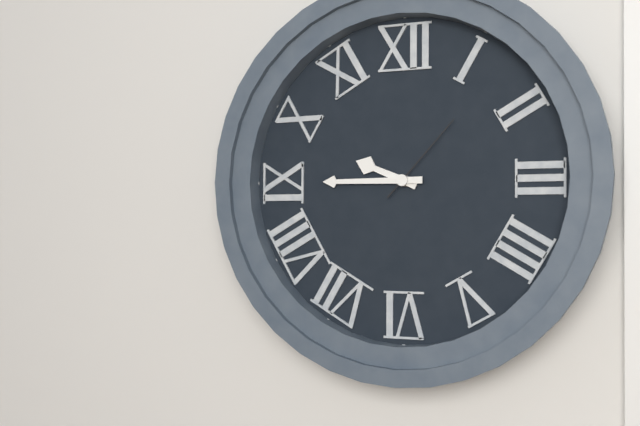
9:45:07
